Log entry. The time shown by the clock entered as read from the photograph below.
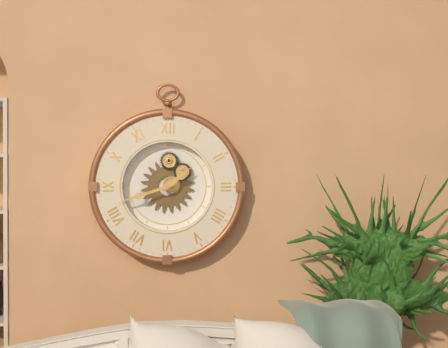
1:42
